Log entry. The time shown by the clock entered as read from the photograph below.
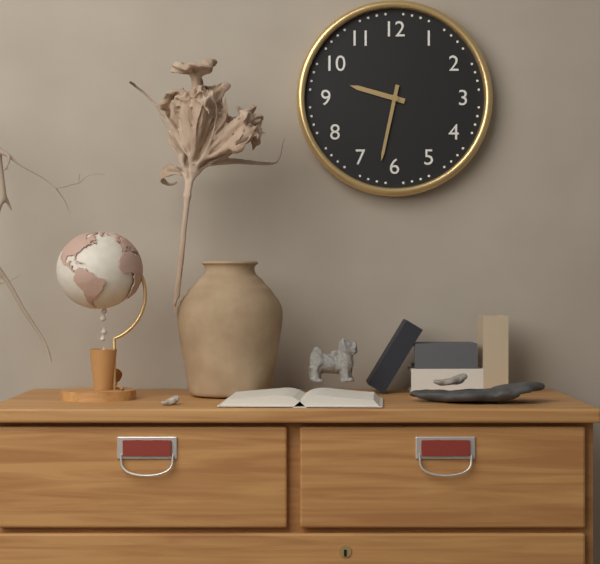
9:32
